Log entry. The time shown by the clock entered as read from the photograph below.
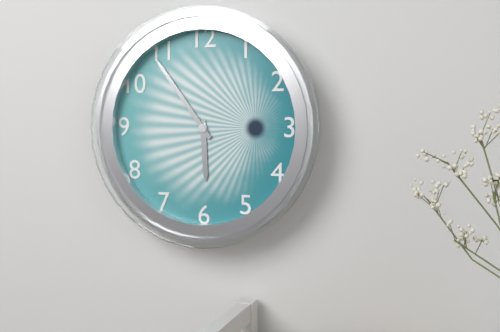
5:54
